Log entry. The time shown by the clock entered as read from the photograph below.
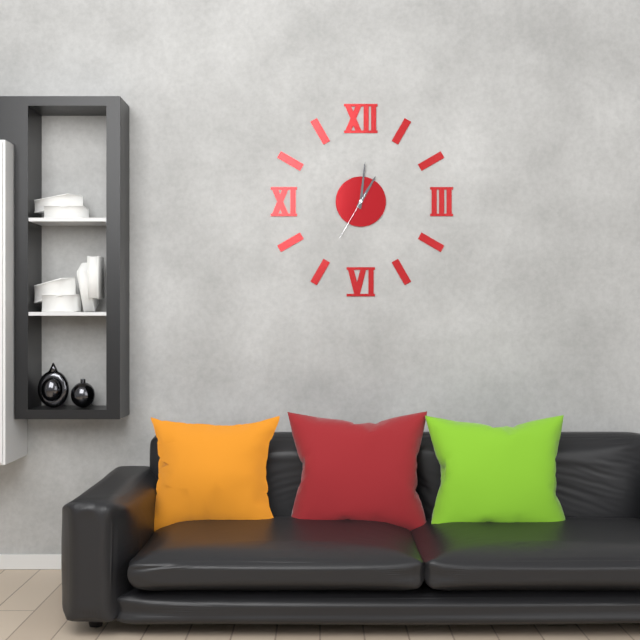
1:01:35
